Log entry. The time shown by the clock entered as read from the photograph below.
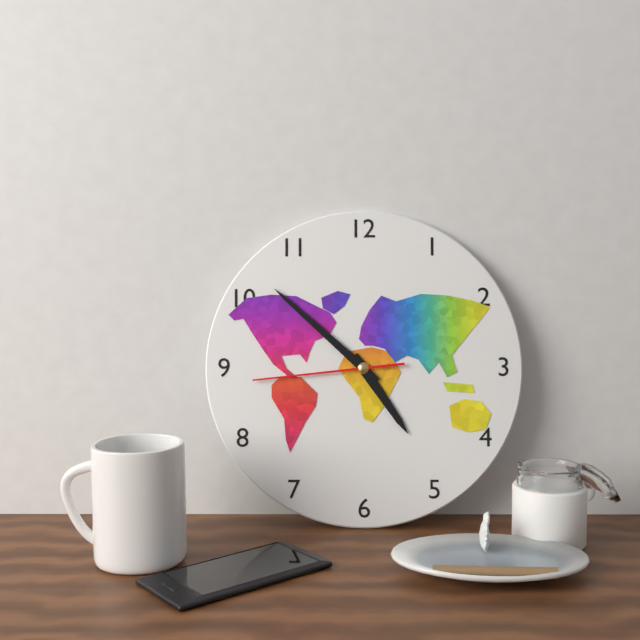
4:52:44
